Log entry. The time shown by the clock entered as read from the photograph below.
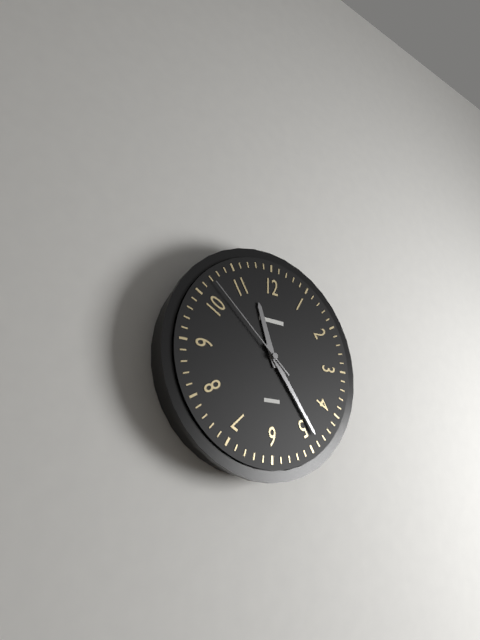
11:24:52
